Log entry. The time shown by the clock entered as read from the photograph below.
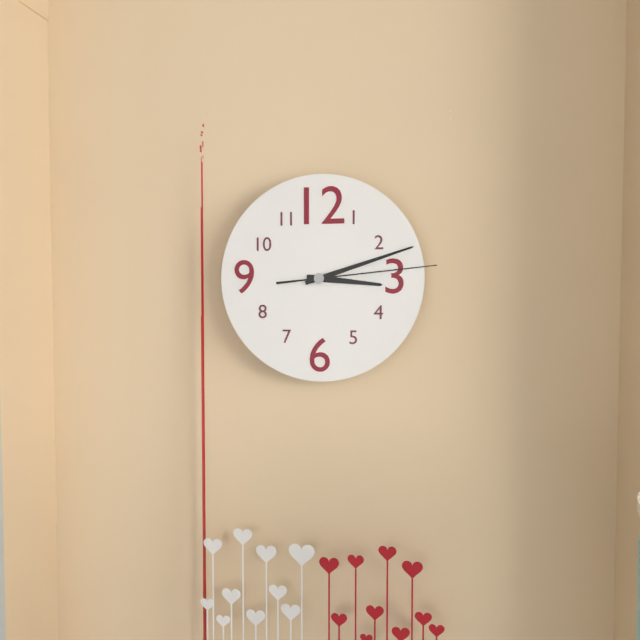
3:12:14
